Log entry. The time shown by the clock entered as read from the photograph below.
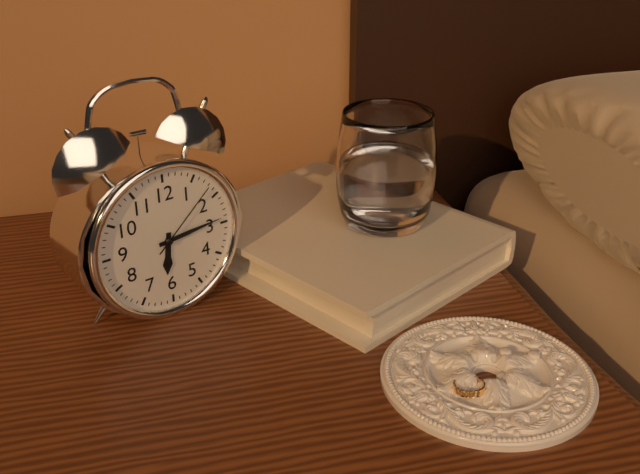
6:14:08
